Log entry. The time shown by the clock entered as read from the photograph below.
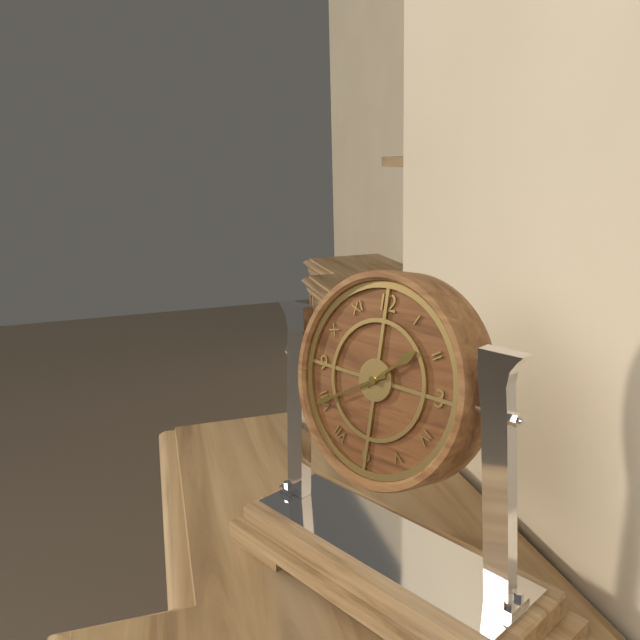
1:40
